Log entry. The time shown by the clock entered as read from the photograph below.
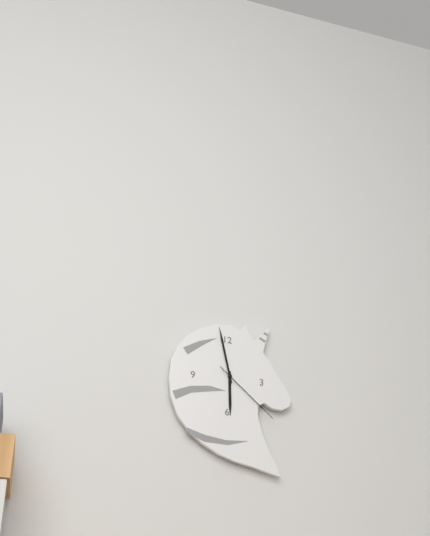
5:58:22
